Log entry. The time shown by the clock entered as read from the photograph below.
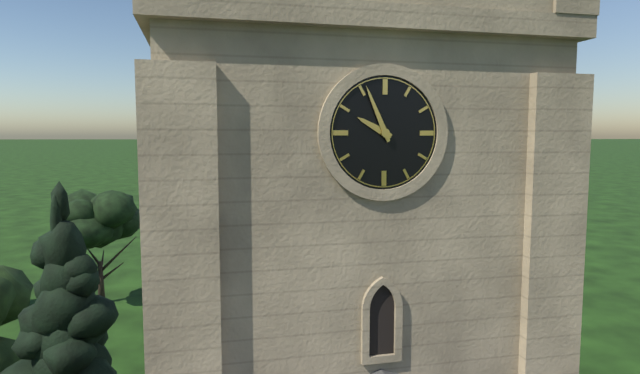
9:56
